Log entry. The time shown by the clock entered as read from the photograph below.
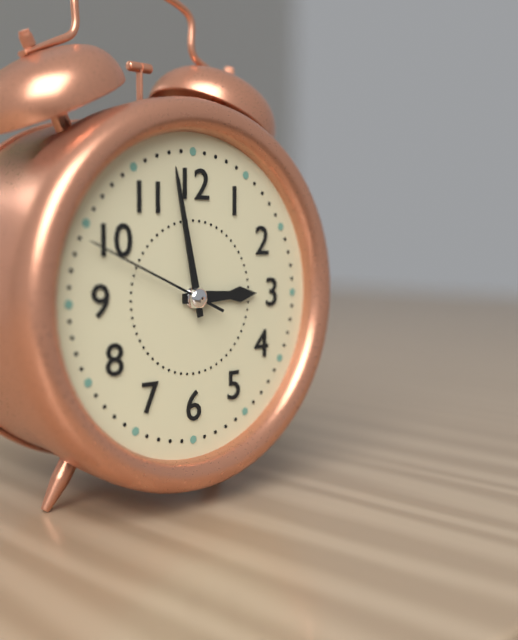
2:58:49
